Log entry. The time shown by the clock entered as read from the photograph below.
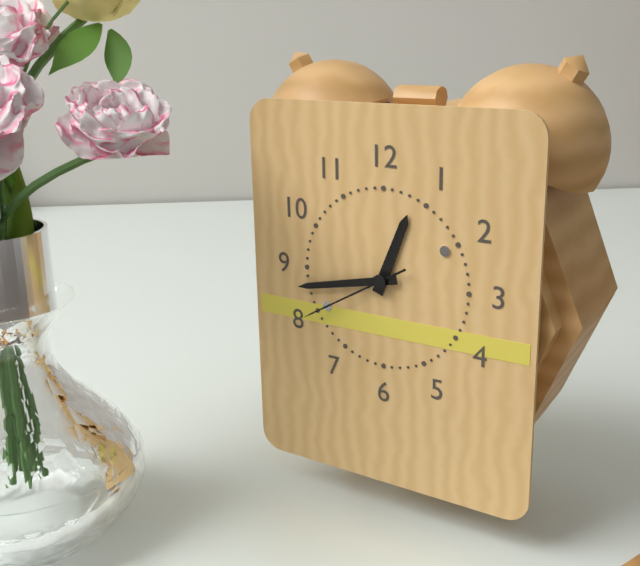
12:43:40
